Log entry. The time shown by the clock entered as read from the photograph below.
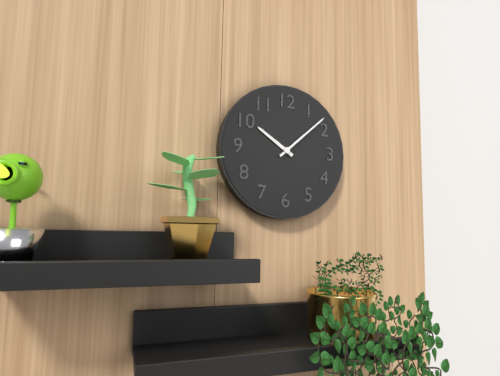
10:08
